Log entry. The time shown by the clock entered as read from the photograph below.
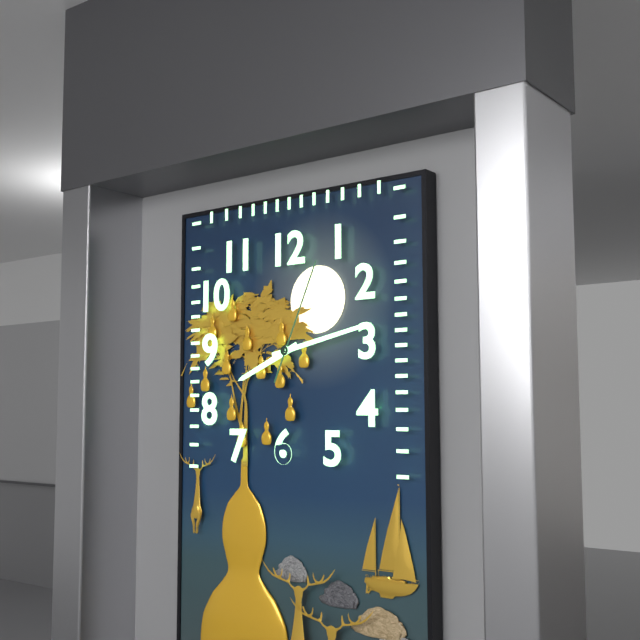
8:13:04
